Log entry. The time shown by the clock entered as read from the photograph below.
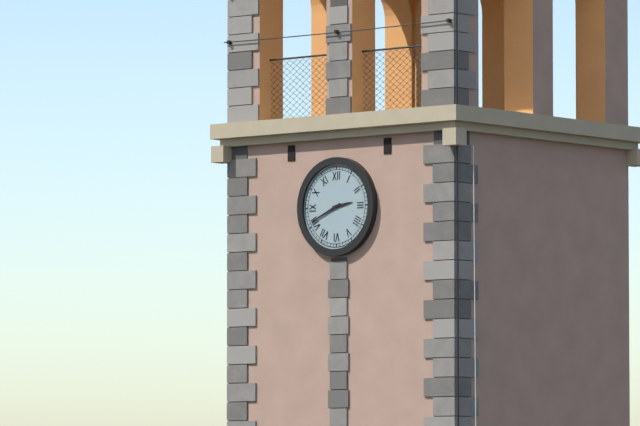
2:41
